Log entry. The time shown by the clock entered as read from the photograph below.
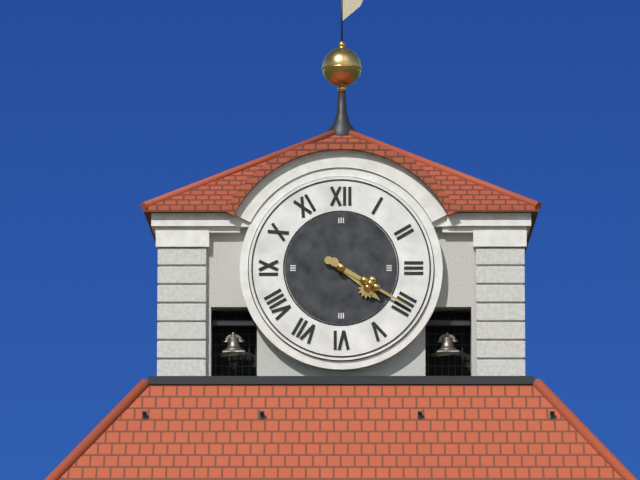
4:20
